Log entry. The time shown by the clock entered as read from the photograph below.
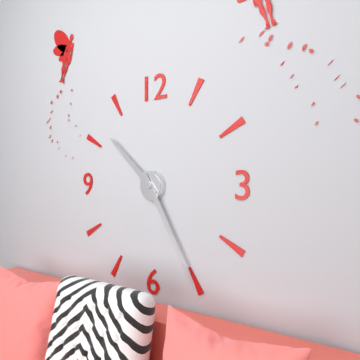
10:25
